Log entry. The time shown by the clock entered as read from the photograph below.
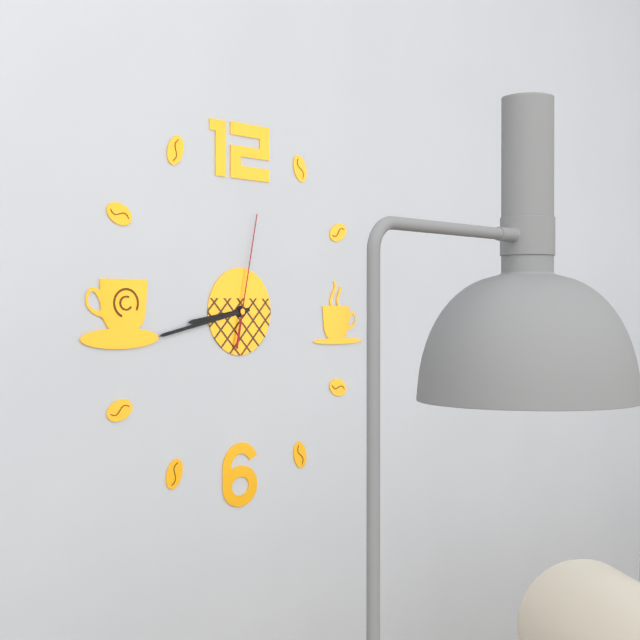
8:43:02
